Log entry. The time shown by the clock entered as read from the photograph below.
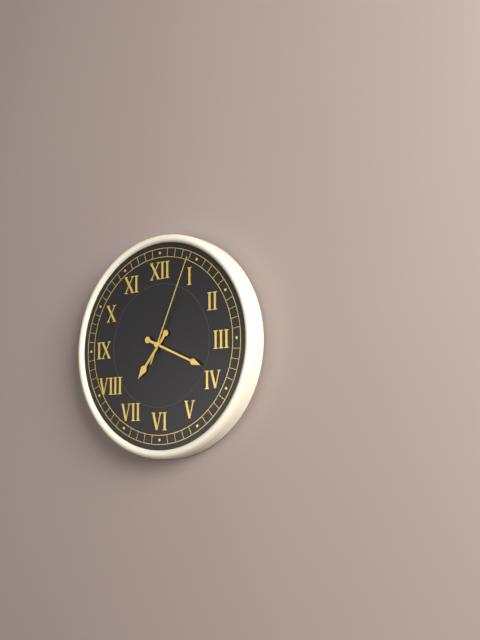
7:19:04
